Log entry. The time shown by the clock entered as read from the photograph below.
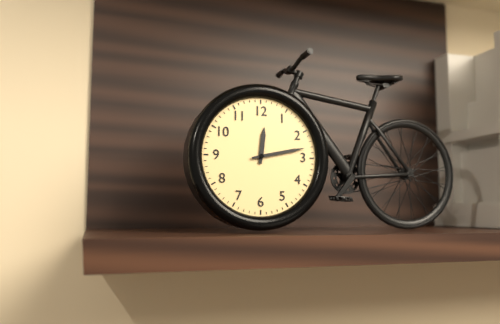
12:13
